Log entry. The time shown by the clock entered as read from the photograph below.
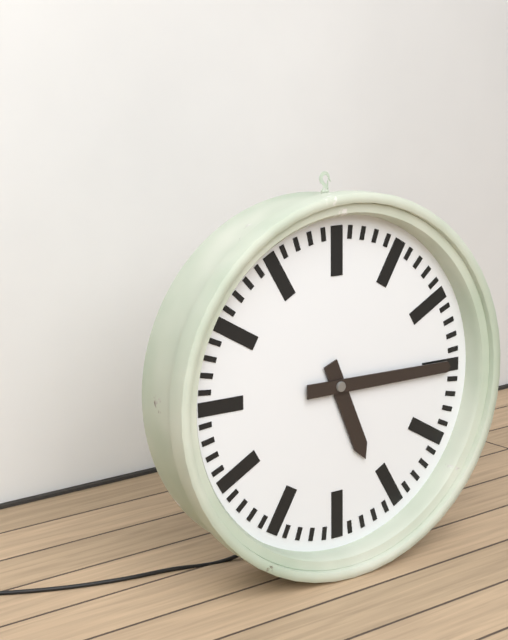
5:15
